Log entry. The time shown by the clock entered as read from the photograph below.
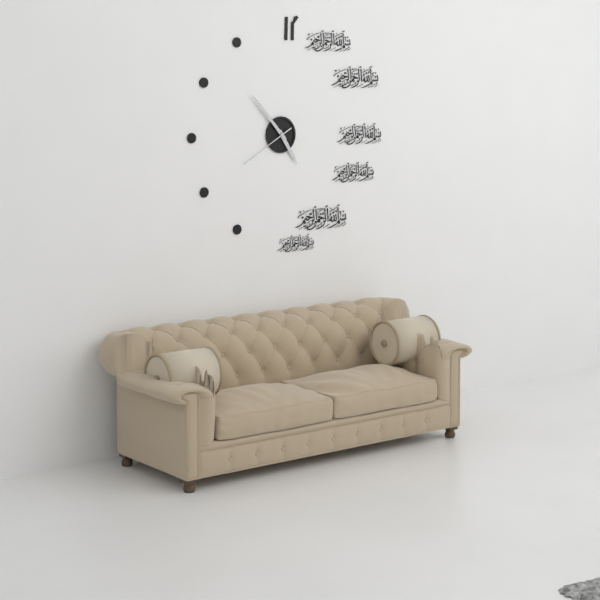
4:53:40
